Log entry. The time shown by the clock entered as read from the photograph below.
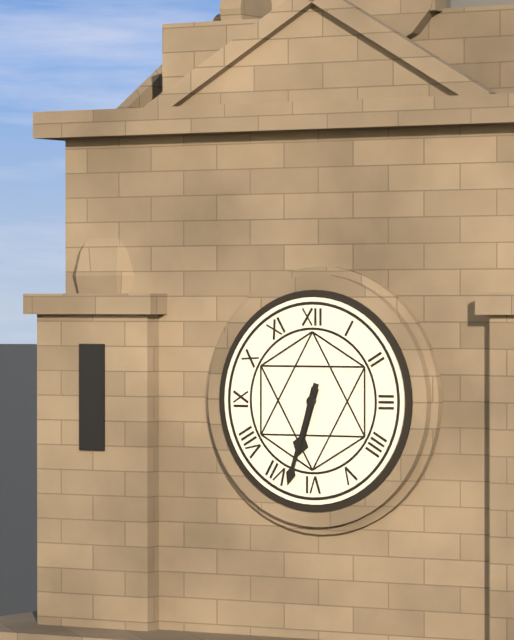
6:33
